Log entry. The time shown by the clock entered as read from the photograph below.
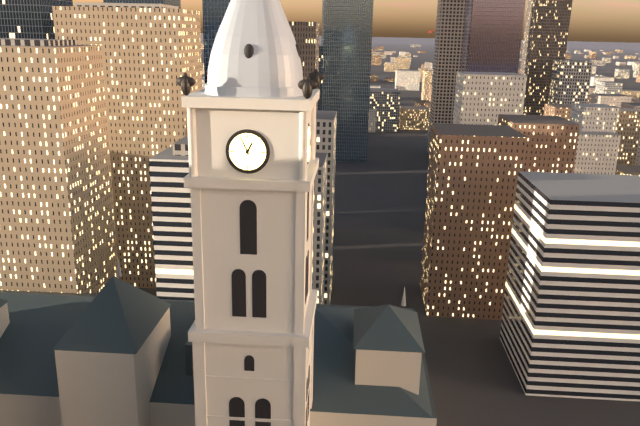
12:56
